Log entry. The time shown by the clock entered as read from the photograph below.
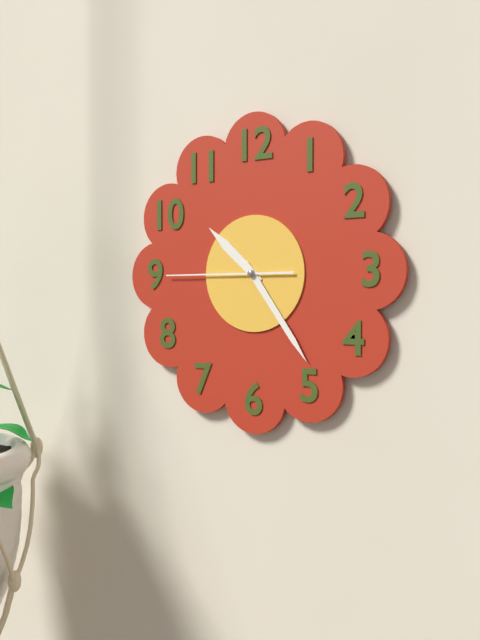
10:24:45
